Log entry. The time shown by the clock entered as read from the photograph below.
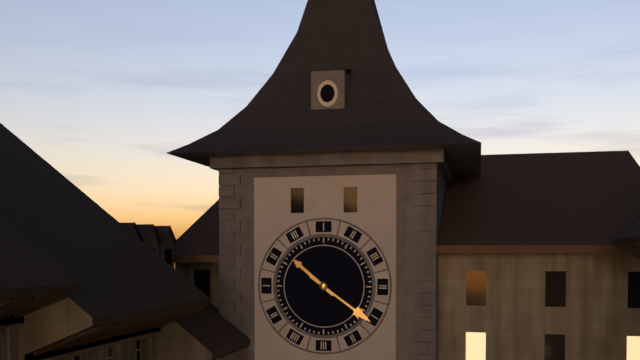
10:21
